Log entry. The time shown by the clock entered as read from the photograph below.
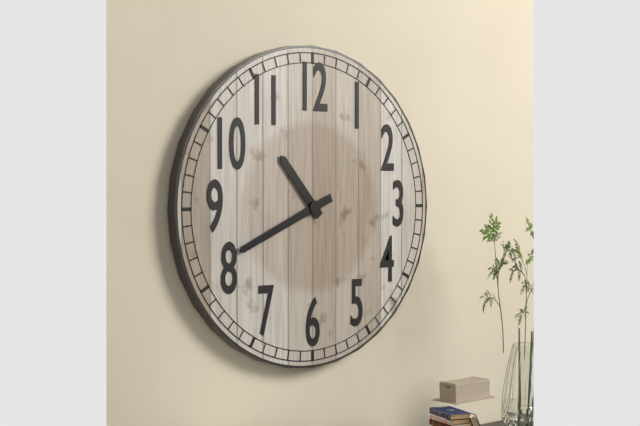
10:41
